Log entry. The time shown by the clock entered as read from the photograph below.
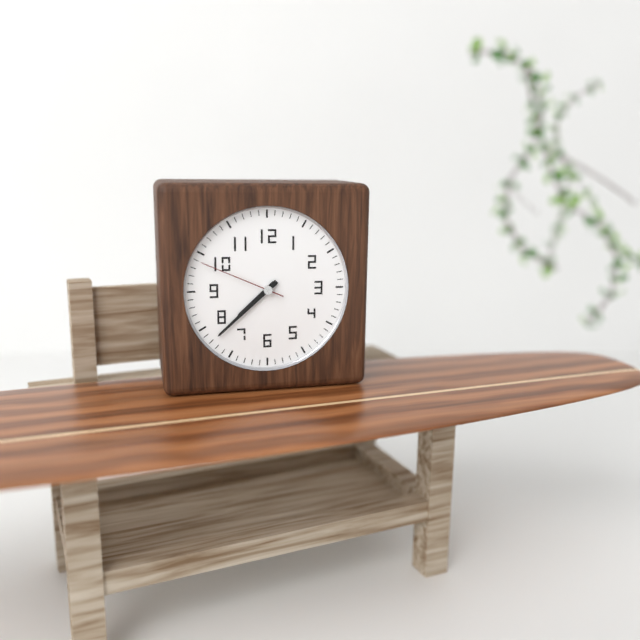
7:38:49
